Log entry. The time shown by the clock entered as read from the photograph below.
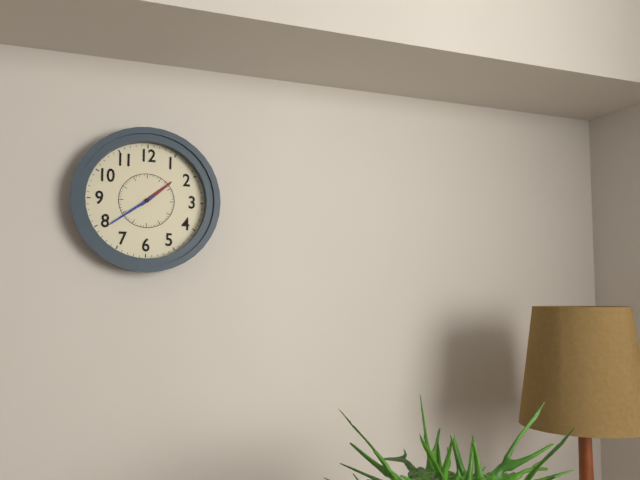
1:39
